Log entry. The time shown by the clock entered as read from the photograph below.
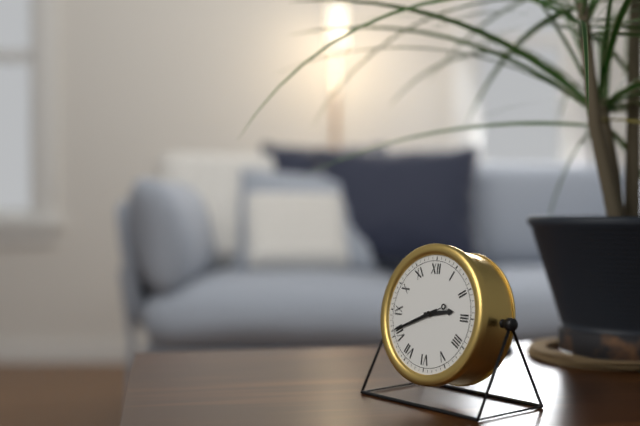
2:41
